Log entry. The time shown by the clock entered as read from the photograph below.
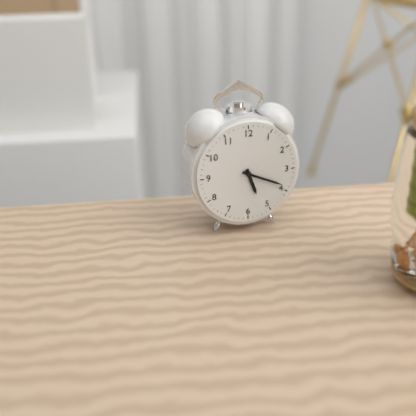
5:19
